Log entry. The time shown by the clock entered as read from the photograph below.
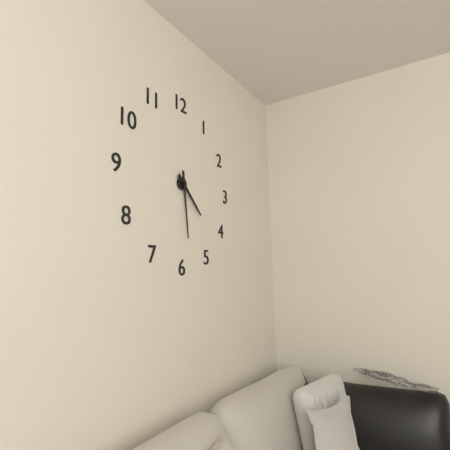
4:29
